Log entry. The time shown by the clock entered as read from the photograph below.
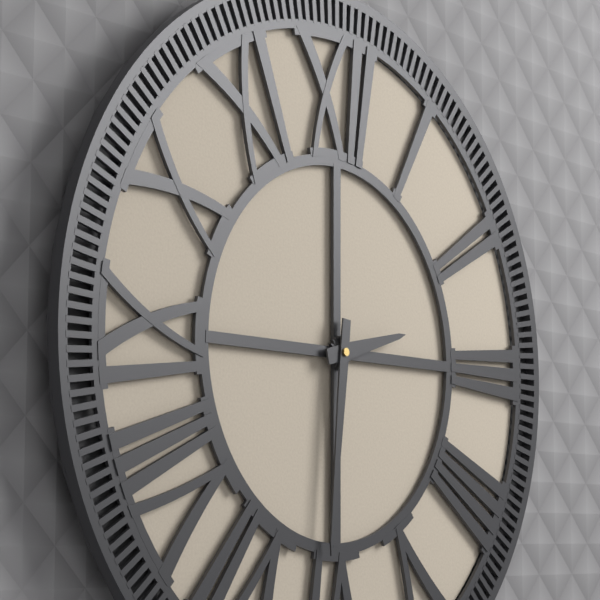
2:31
